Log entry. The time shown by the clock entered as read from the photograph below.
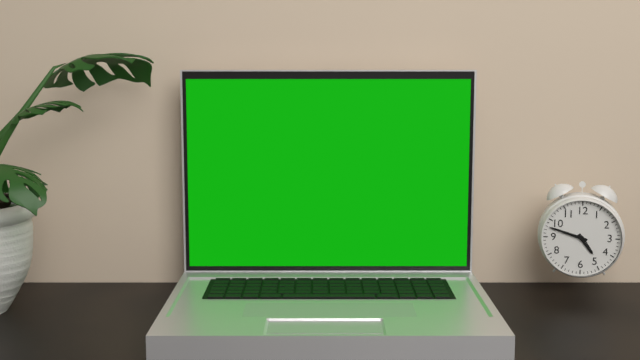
4:48
